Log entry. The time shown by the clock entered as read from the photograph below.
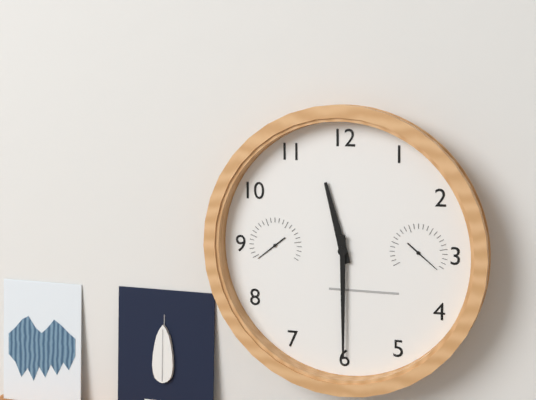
11:30
